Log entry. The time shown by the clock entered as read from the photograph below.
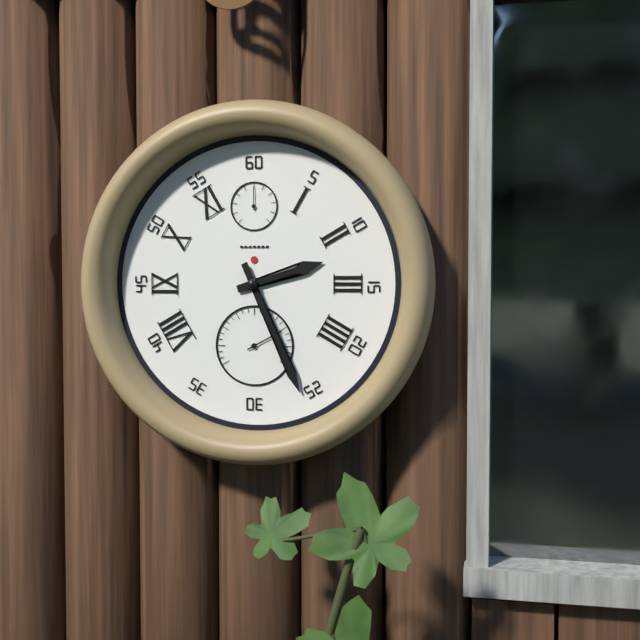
2:26
